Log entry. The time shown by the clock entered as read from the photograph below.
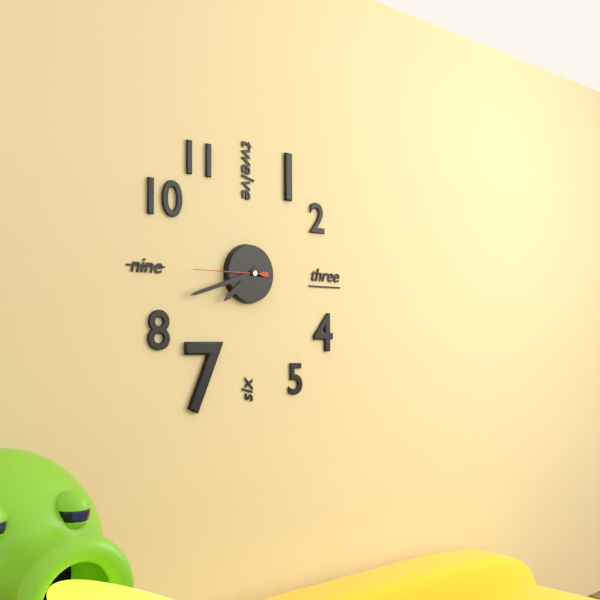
7:42:45
